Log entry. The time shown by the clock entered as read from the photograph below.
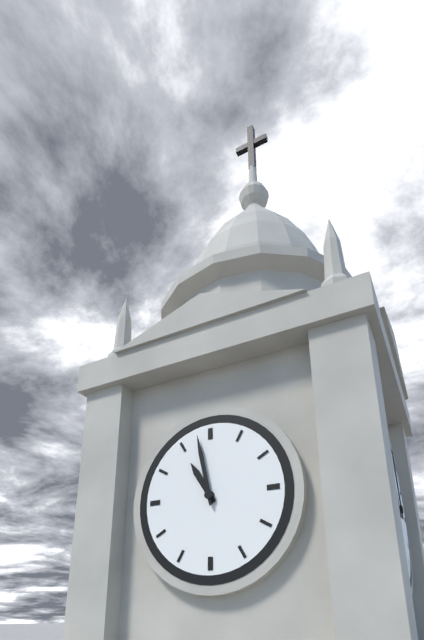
10:58
